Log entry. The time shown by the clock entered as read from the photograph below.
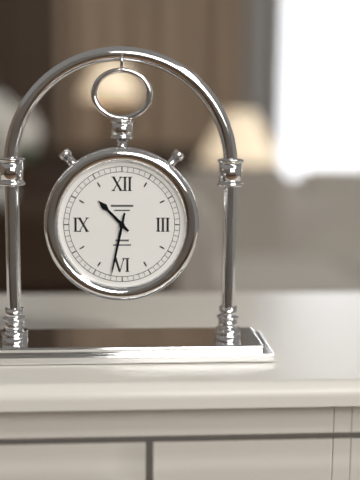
10:32
